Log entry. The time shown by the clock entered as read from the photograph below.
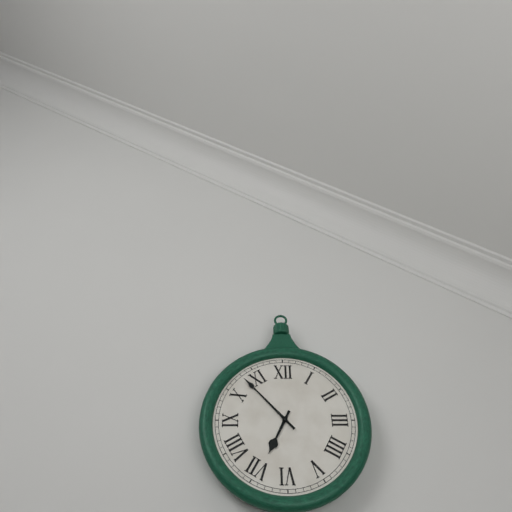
6:53
